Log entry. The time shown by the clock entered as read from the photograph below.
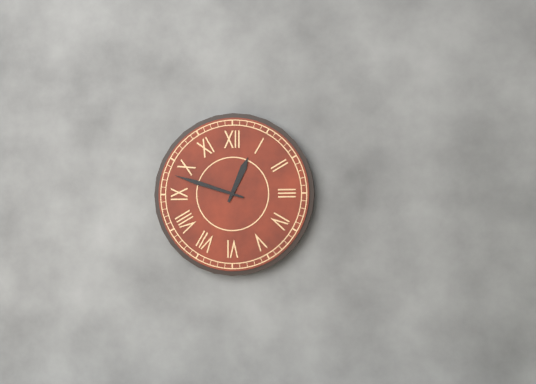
12:48
